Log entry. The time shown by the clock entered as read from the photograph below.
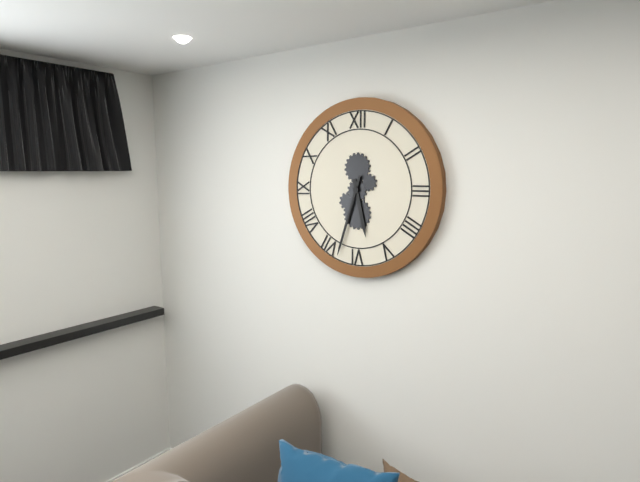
5:33
